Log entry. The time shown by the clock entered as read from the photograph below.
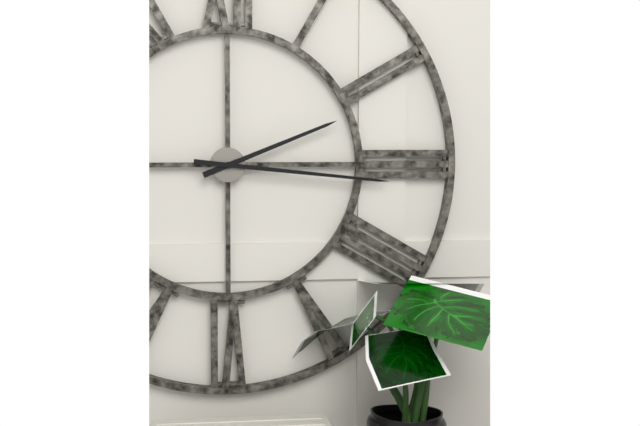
2:16
